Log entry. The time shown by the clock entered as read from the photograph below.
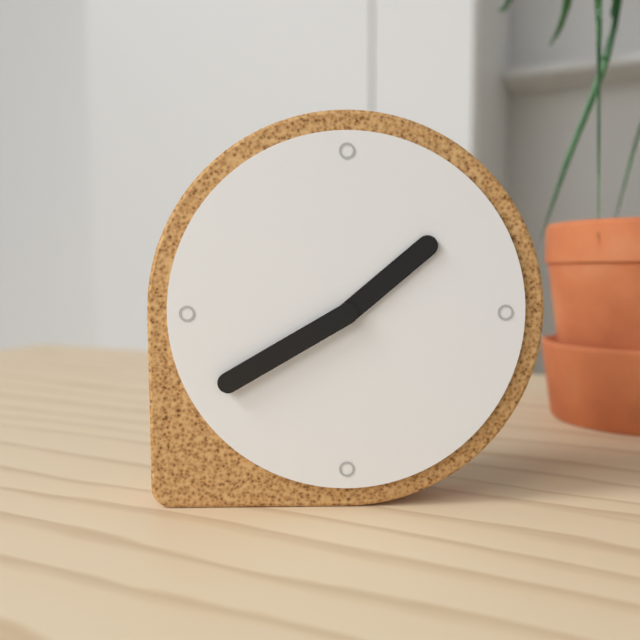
1:40
